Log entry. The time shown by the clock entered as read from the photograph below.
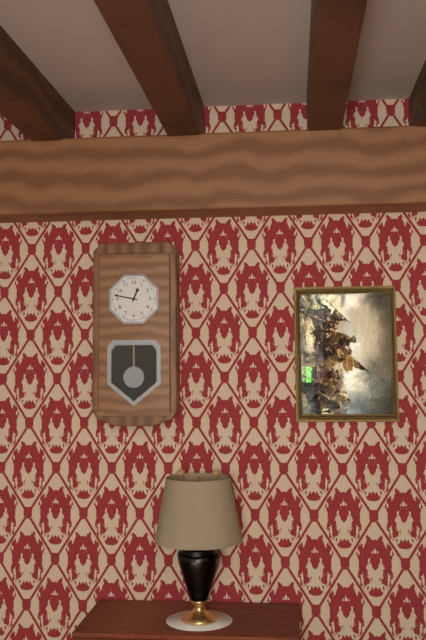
12:47
